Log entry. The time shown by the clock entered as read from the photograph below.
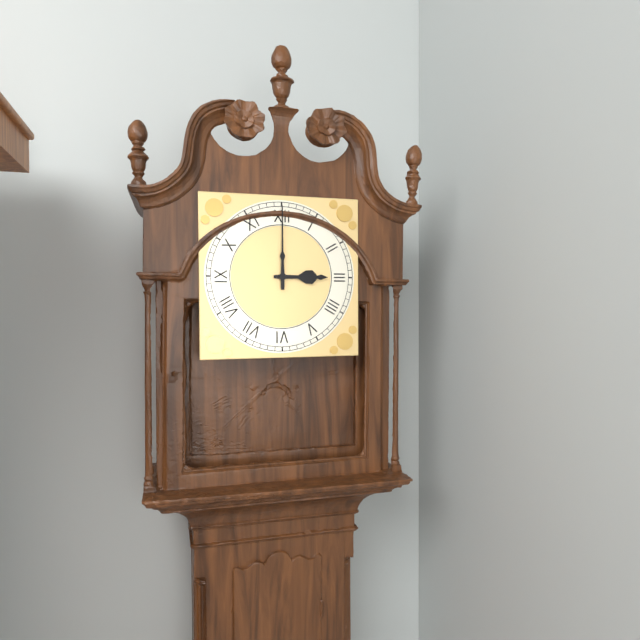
3:00
